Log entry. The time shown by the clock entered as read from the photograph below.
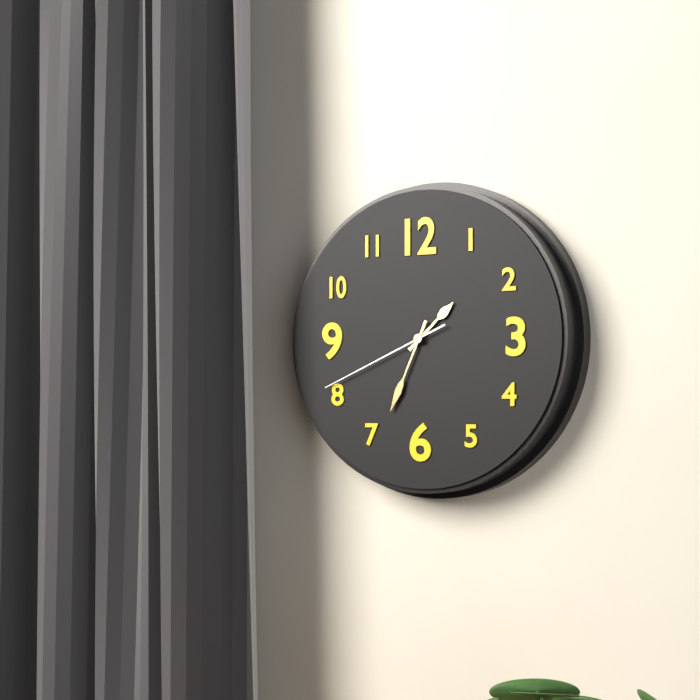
1:34:41
